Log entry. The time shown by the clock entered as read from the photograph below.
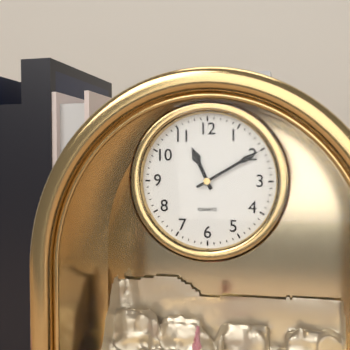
11:10
